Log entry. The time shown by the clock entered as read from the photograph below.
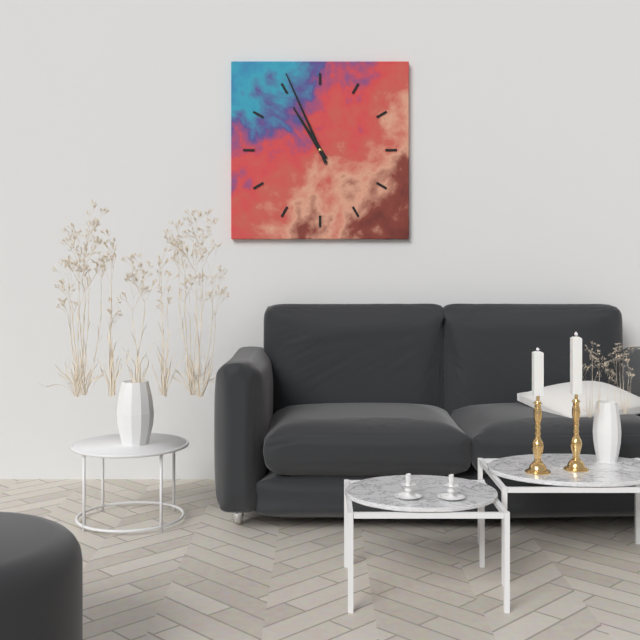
10:56
